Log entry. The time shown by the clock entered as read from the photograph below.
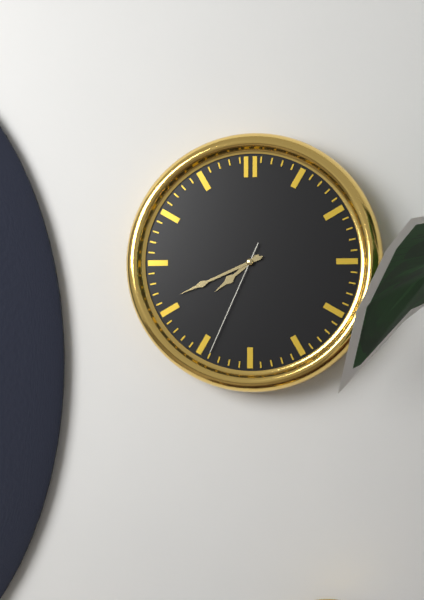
7:41:34
